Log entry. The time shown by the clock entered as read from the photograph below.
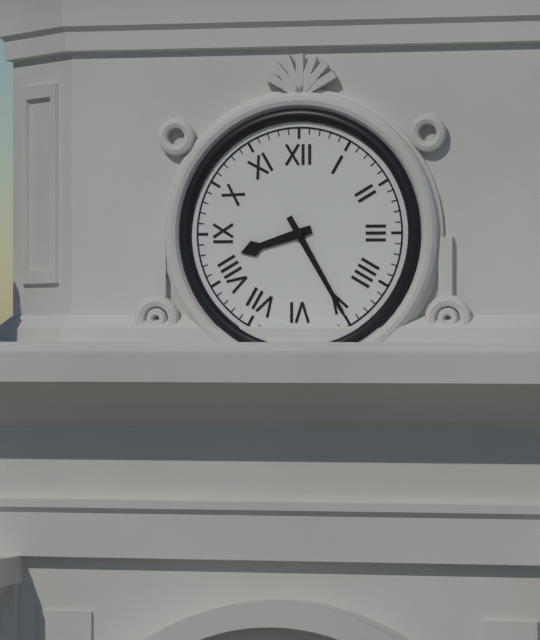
8:25
